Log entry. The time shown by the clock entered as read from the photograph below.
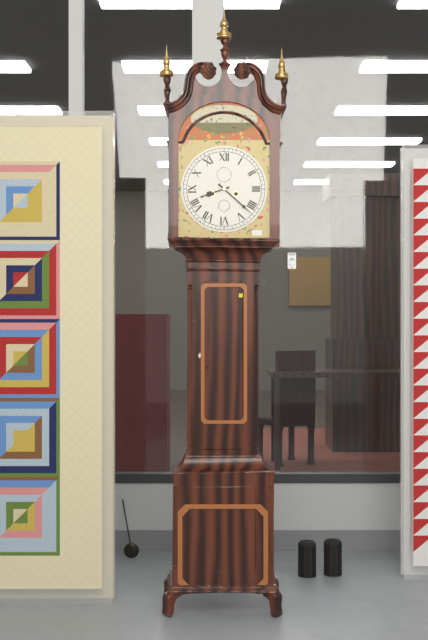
8:22
